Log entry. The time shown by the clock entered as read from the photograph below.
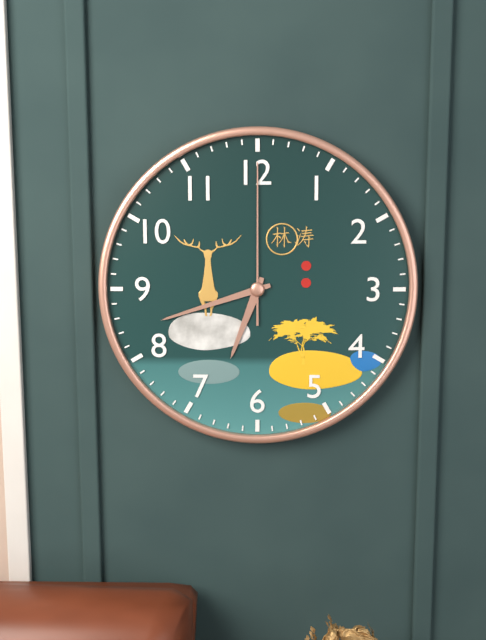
6:42:00
